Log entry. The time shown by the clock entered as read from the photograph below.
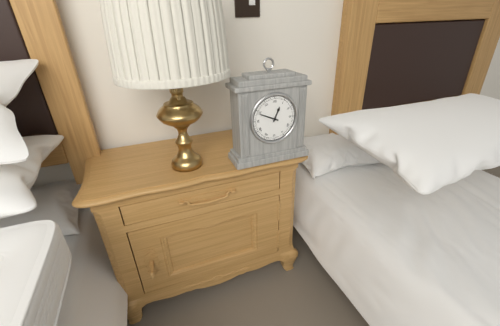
12:49
